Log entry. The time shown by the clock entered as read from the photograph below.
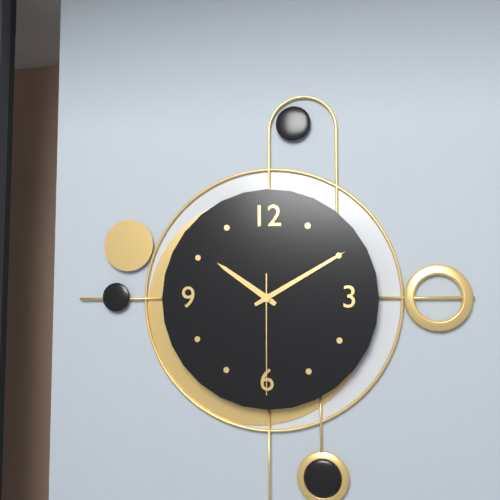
10:10:30
